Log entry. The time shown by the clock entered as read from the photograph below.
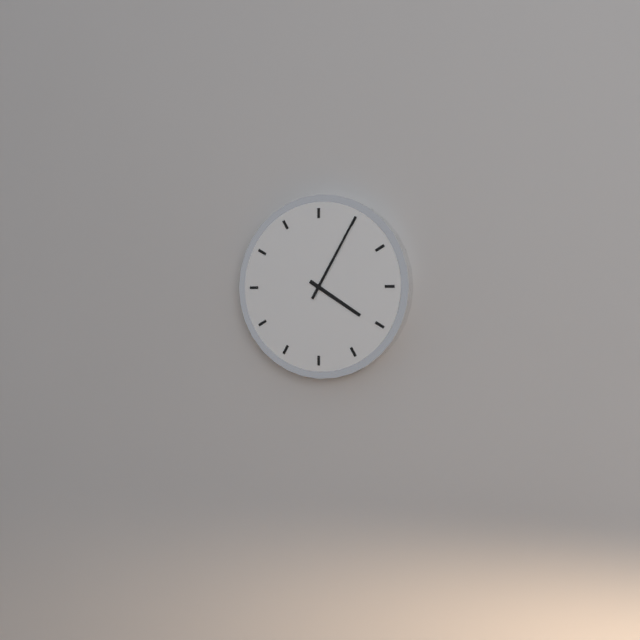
4:05
